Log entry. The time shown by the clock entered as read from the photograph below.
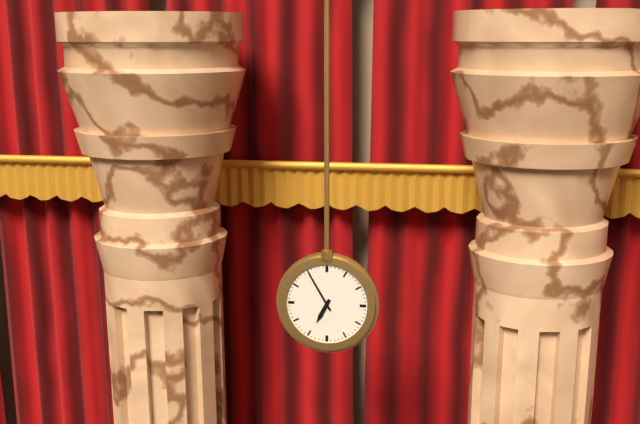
6:55
